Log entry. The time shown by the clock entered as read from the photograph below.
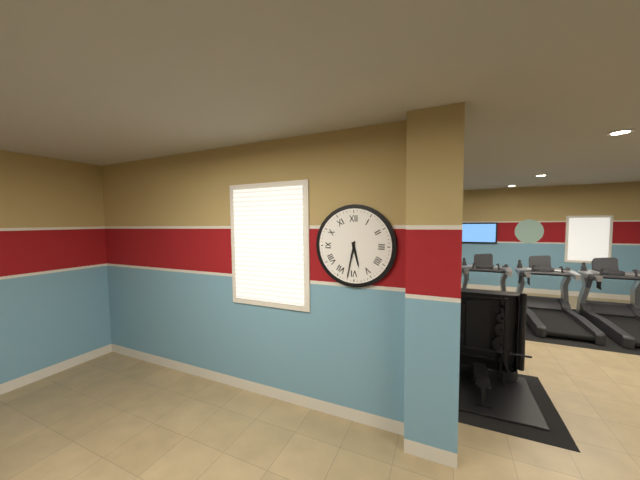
5:32
